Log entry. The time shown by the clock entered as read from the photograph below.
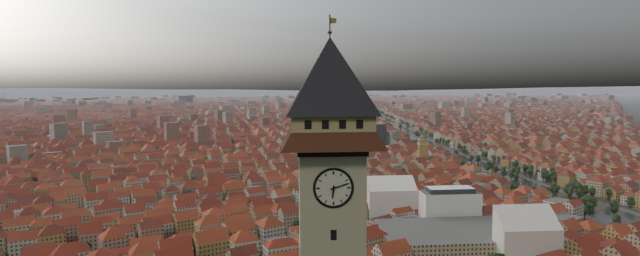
6:12
